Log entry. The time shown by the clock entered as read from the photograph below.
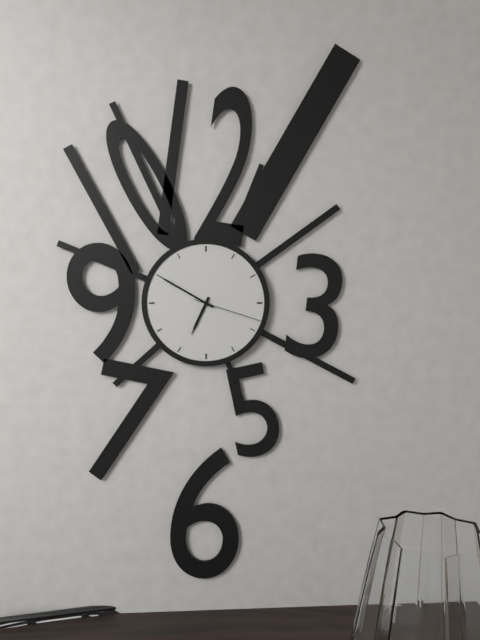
6:50:18
